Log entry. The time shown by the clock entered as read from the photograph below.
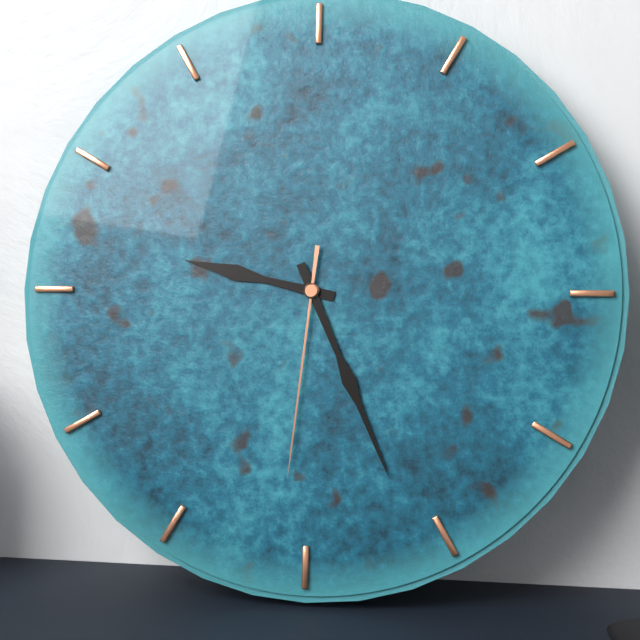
9:26:31
